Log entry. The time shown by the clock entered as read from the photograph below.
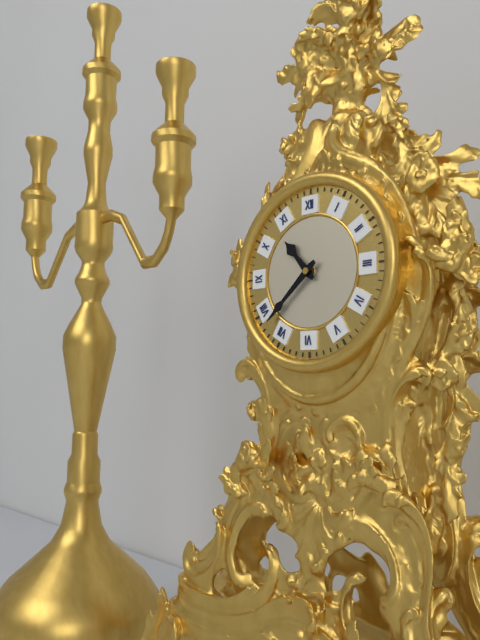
10:38
